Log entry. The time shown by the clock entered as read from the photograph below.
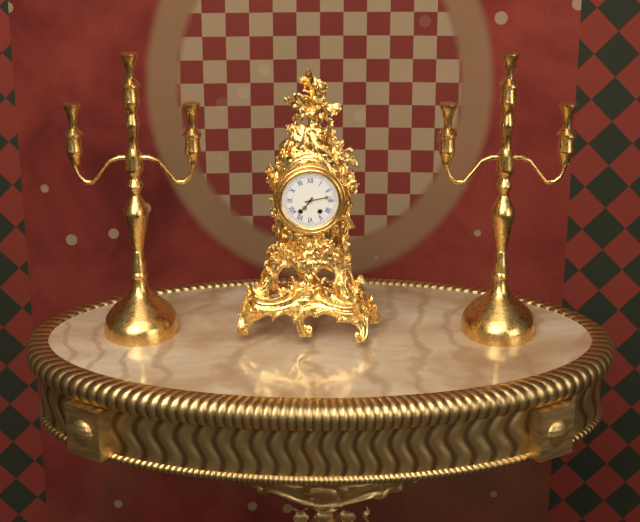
7:13
